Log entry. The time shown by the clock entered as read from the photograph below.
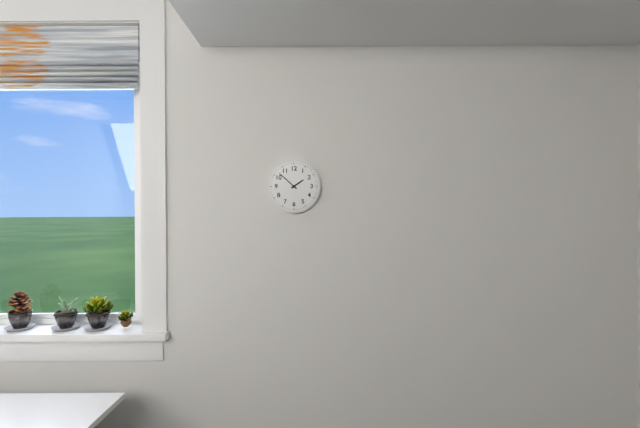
1:52
